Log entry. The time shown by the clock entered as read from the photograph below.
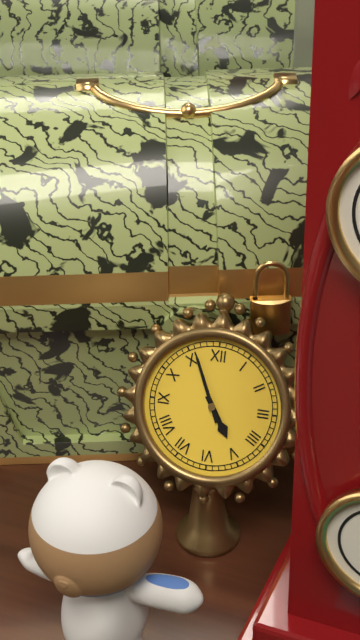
4:56
